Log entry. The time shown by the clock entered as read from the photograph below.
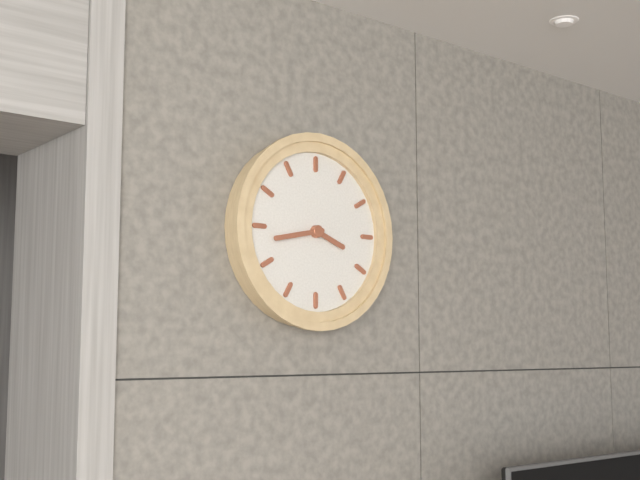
3:43
